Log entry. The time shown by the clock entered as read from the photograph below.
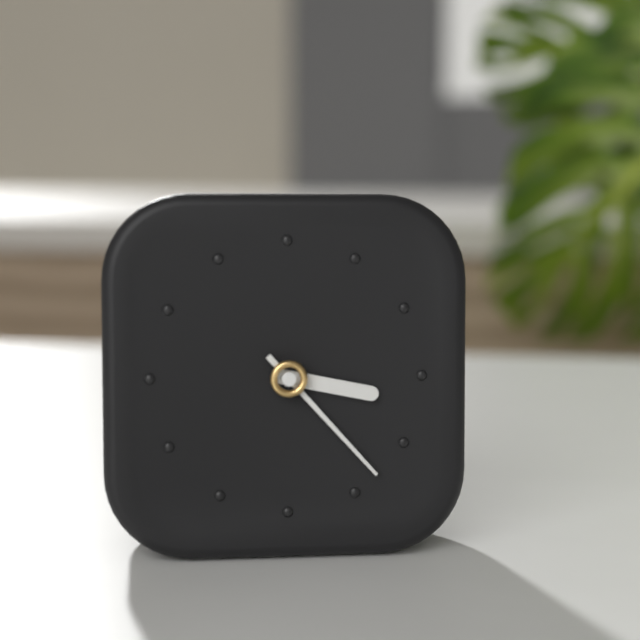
3:23
